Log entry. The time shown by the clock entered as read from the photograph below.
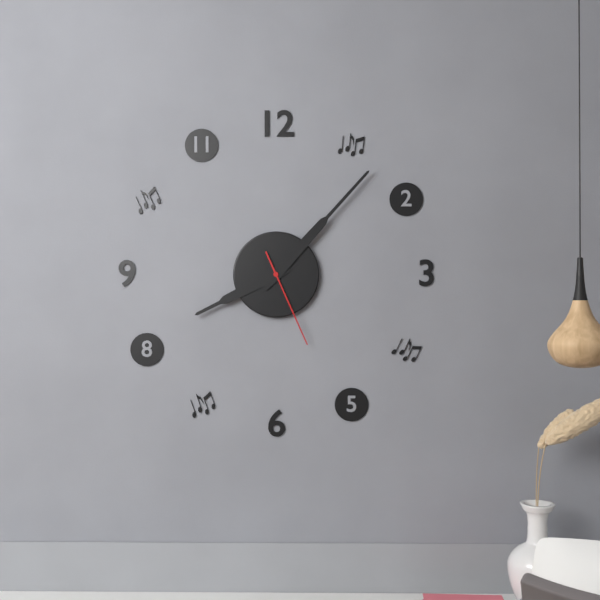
8:07:26
